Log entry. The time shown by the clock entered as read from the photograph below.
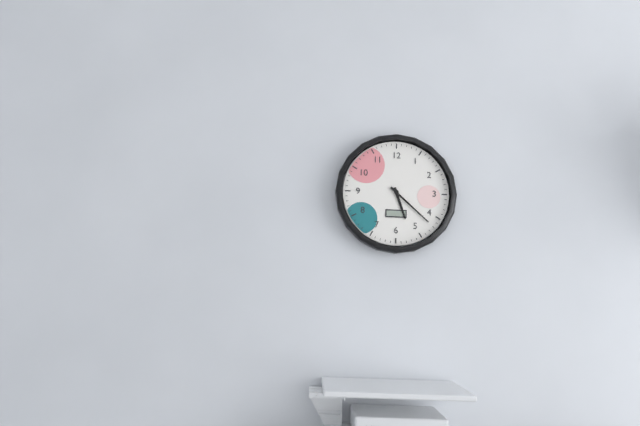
5:22
